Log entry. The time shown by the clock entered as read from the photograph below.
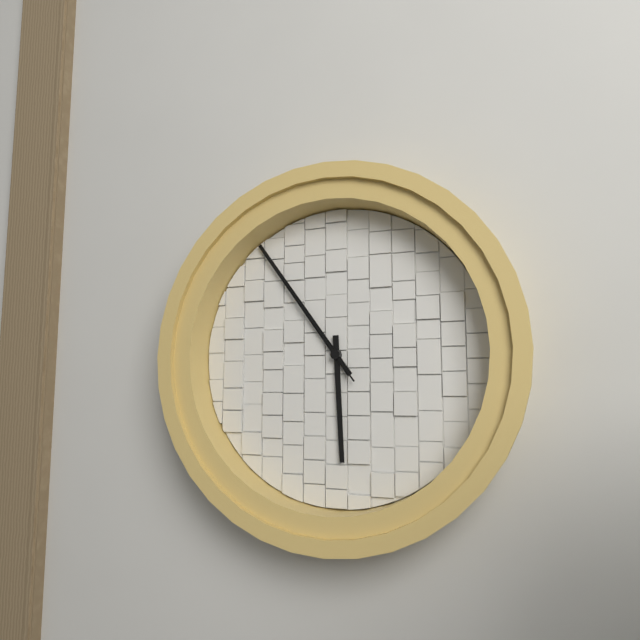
5:54:54
